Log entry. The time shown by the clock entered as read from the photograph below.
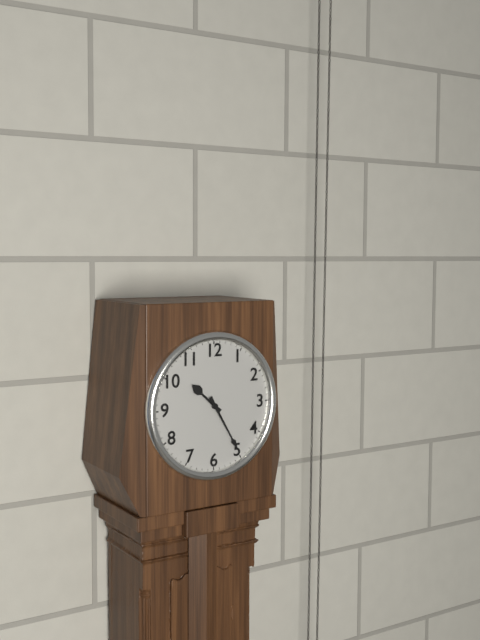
10:25
